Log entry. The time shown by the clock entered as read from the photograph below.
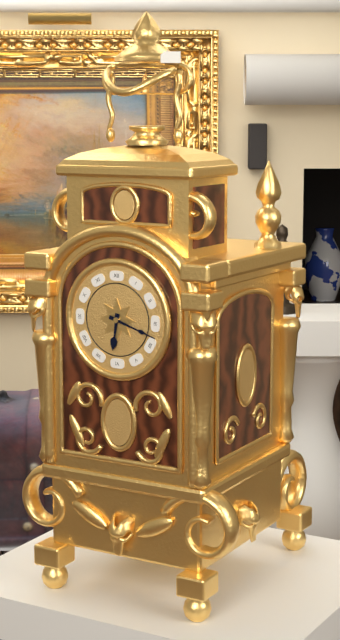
6:18
